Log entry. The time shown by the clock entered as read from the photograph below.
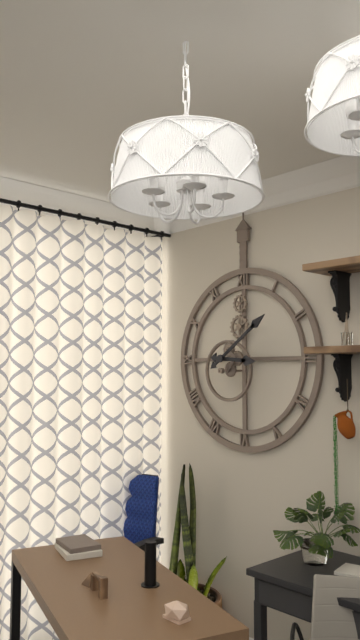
3:09
